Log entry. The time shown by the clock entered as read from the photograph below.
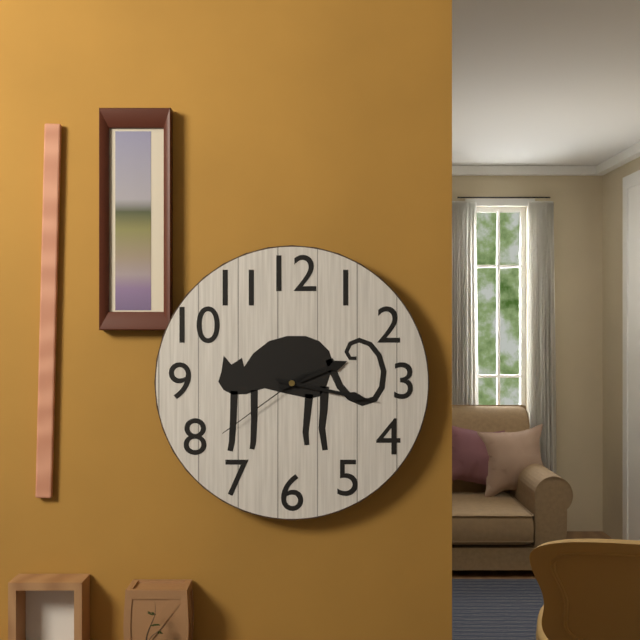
2:17:39
